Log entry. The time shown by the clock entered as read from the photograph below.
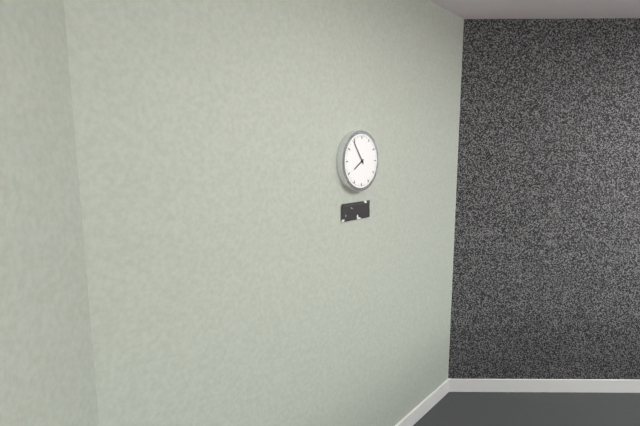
7:54
